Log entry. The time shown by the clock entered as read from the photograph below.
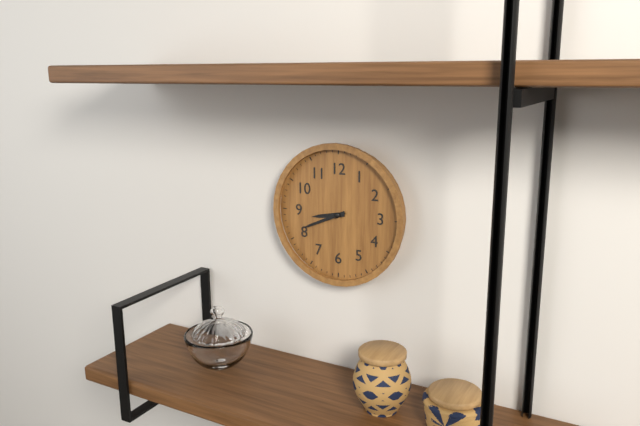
8:41
